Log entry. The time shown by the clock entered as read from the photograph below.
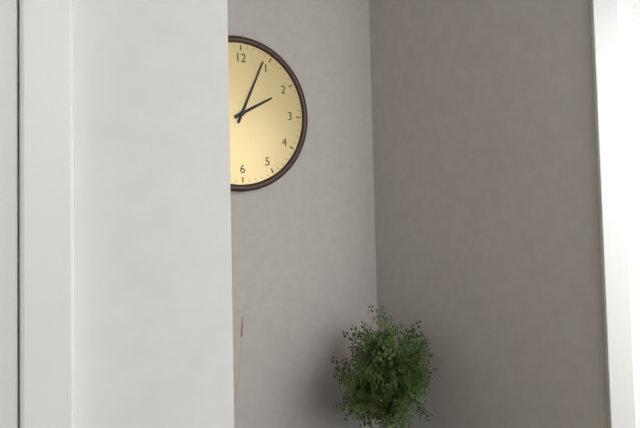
2:04
